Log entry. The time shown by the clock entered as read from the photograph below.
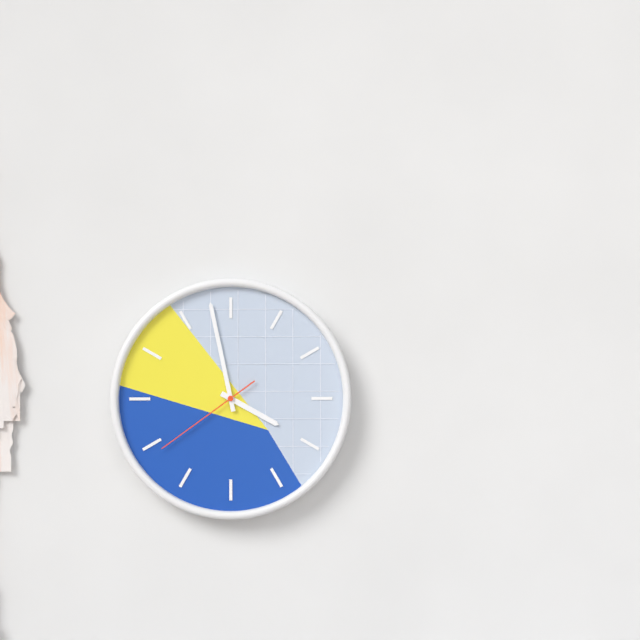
3:58:39
